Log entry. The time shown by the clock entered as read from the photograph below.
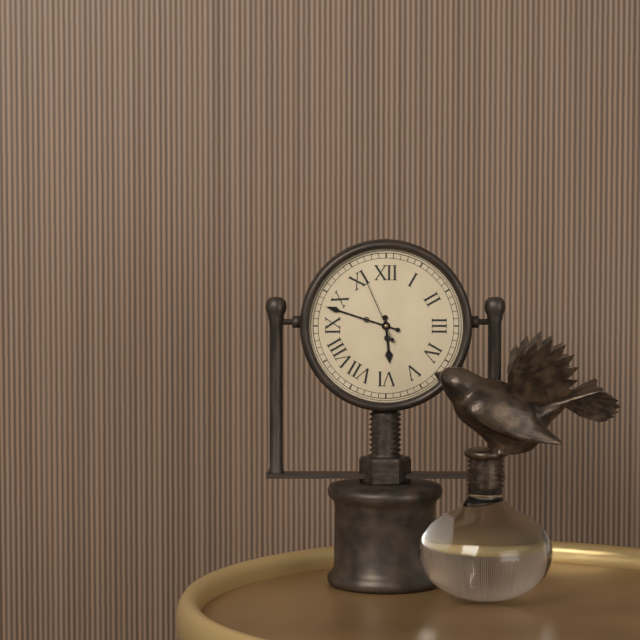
5:48:56
